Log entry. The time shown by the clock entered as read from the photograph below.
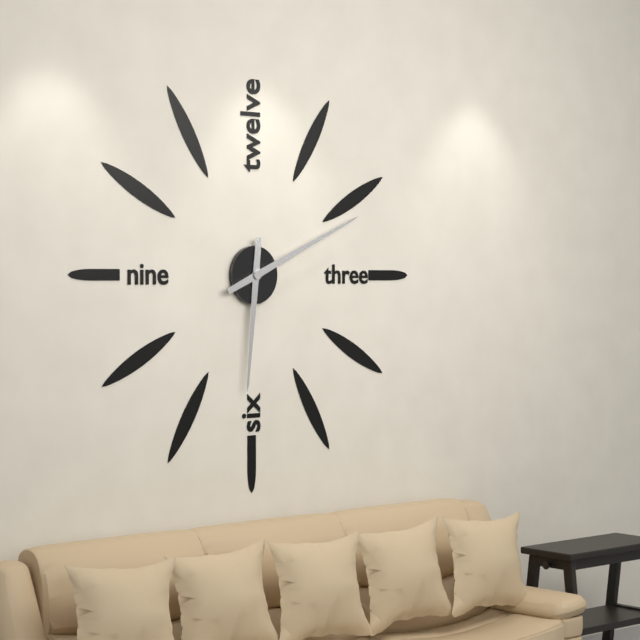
6:11
